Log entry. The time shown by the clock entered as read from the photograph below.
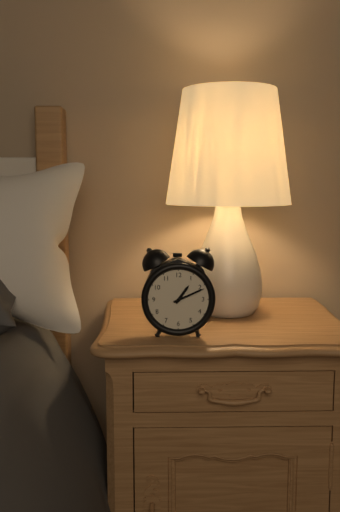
1:11
